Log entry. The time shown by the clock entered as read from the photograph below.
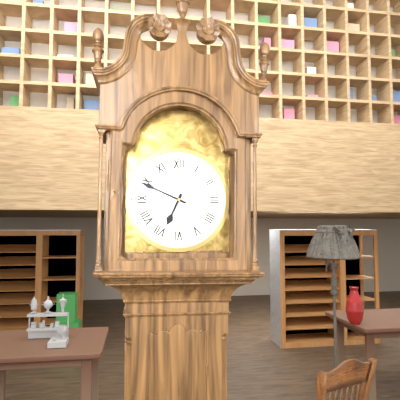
6:49
